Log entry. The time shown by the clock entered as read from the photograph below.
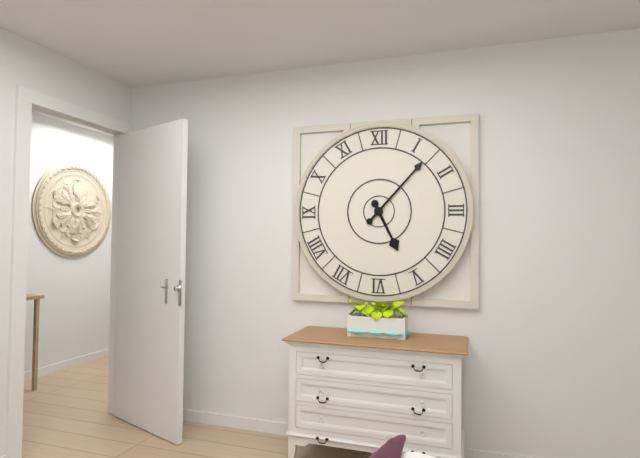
5:07
